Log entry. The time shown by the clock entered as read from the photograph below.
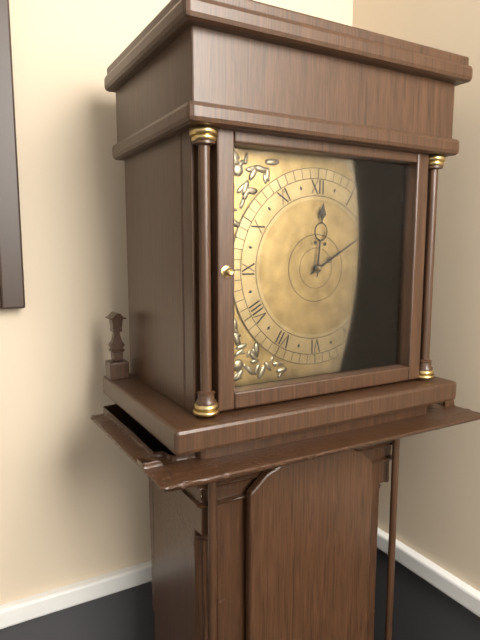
12:10
